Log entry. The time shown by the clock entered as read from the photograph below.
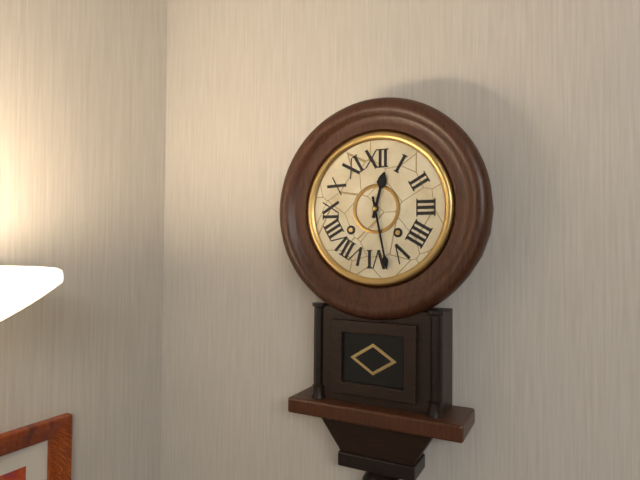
12:28
